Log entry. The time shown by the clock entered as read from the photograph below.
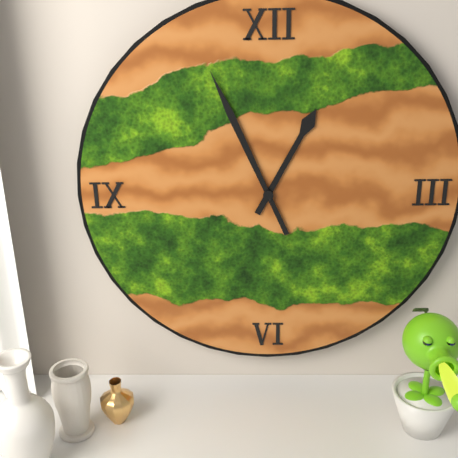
12:56
